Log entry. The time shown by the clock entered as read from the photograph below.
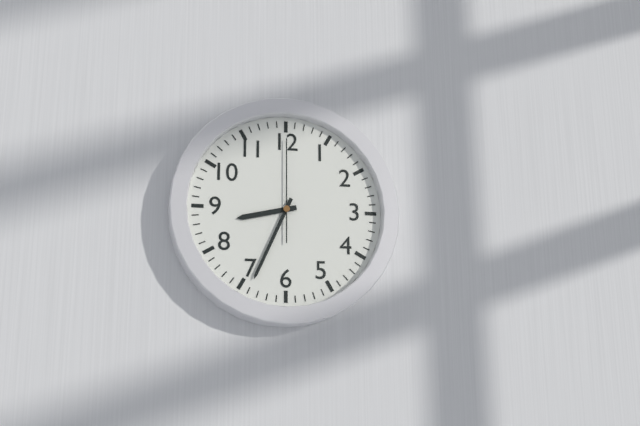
8:34:00
